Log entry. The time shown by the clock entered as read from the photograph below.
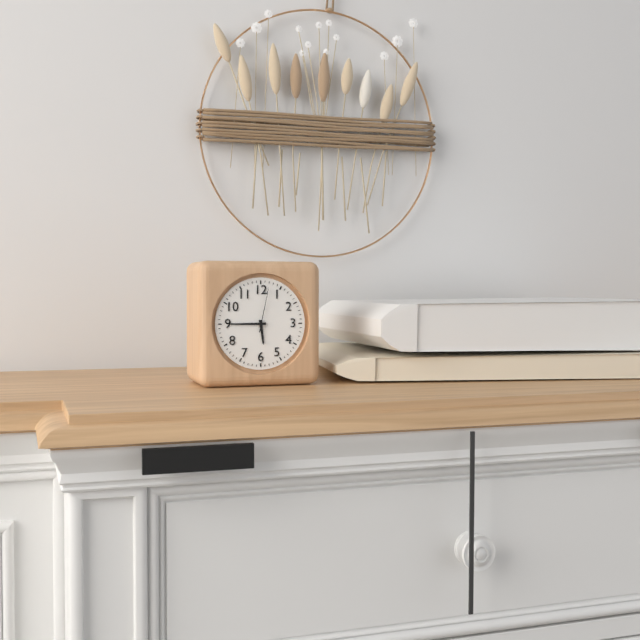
5:45
